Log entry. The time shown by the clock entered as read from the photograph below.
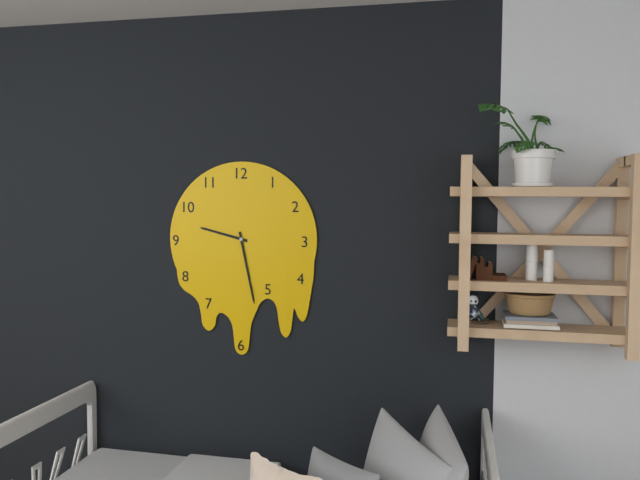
9:28
